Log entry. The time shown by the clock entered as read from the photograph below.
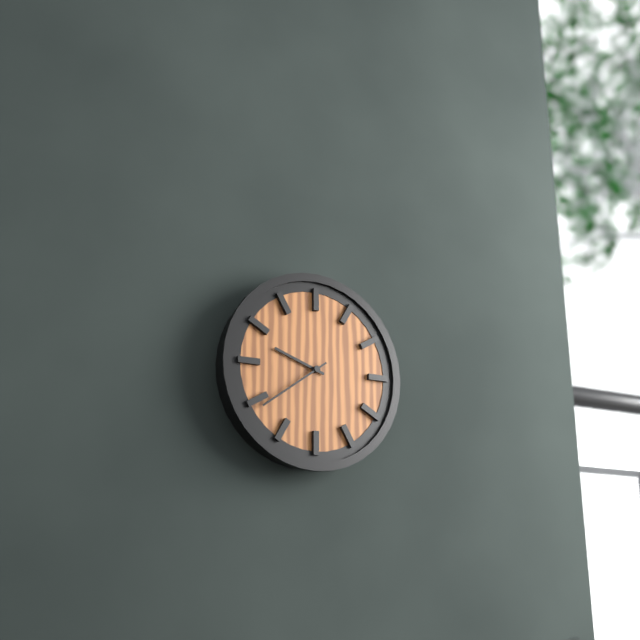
9:39
